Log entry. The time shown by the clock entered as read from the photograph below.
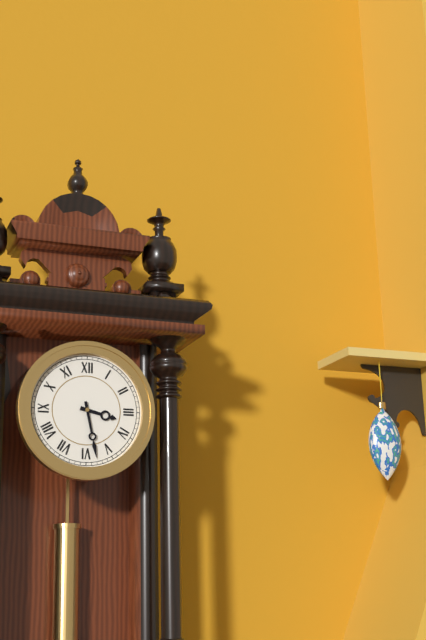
3:28
